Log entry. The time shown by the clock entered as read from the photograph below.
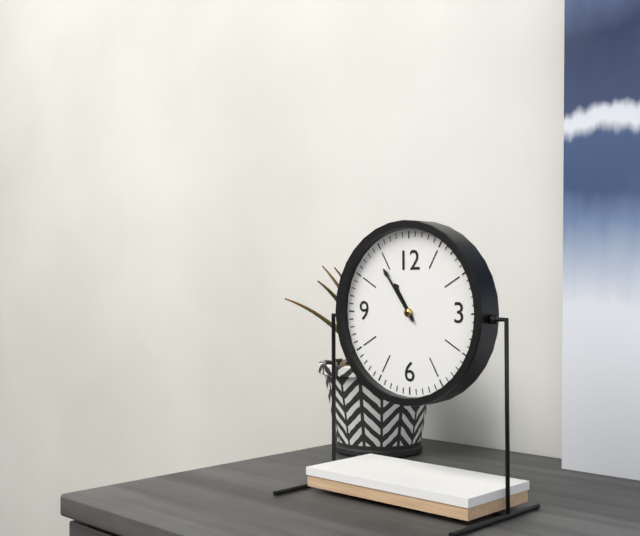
10:54
